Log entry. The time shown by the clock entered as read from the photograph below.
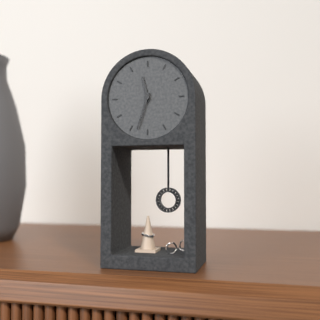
11:33
